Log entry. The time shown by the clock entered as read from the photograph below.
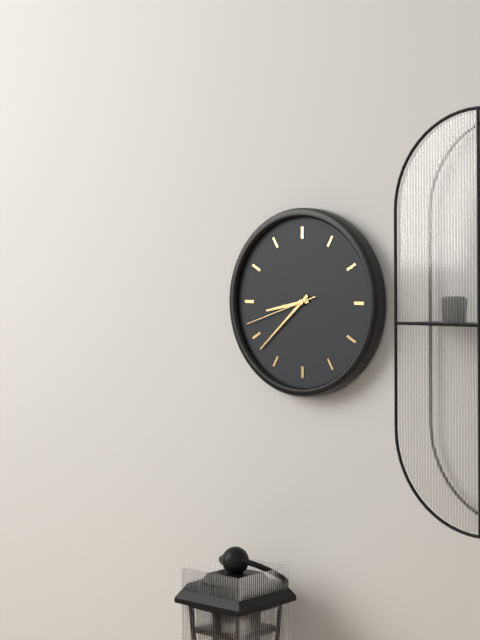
8:38:42
